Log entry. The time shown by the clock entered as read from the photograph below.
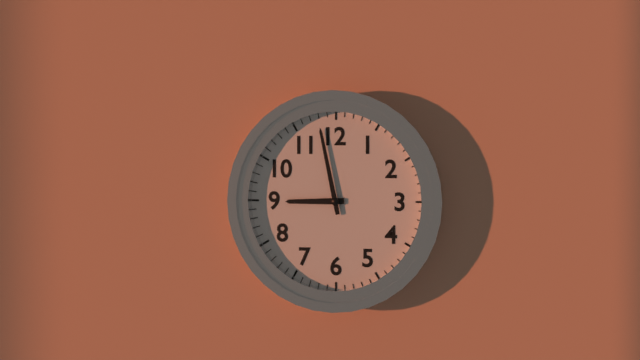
8:58
